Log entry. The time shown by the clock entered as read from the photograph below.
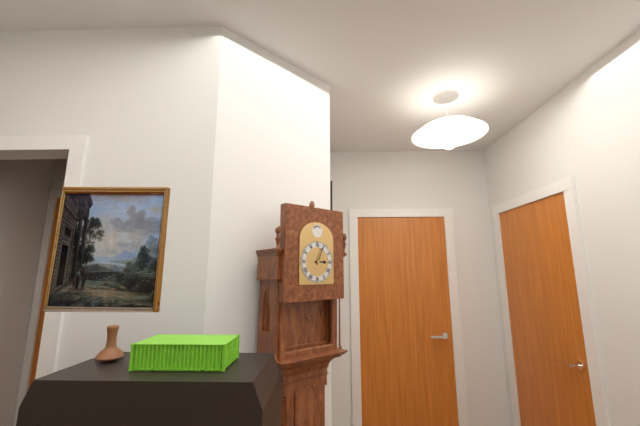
3:04
